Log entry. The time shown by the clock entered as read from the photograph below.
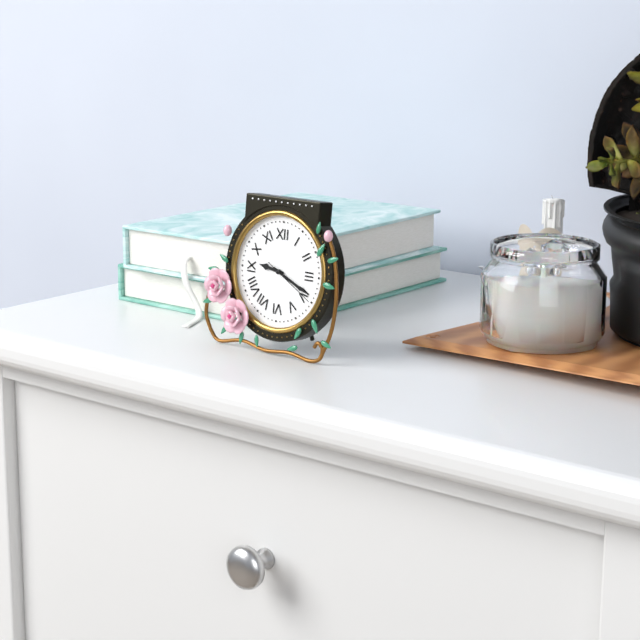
9:19:20
